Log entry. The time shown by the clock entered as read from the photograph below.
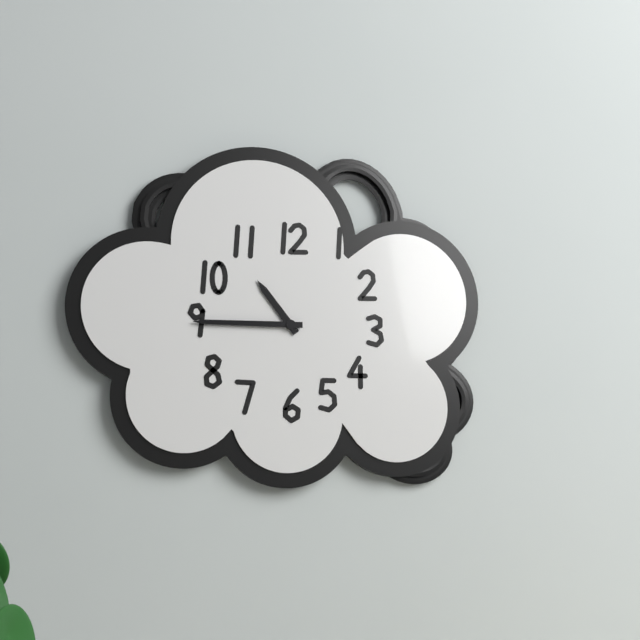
10:45
